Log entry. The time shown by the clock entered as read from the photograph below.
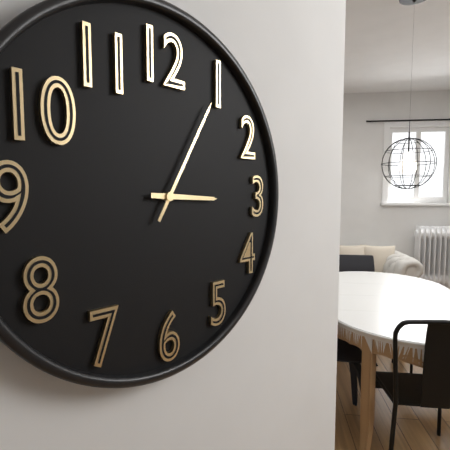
3:05
